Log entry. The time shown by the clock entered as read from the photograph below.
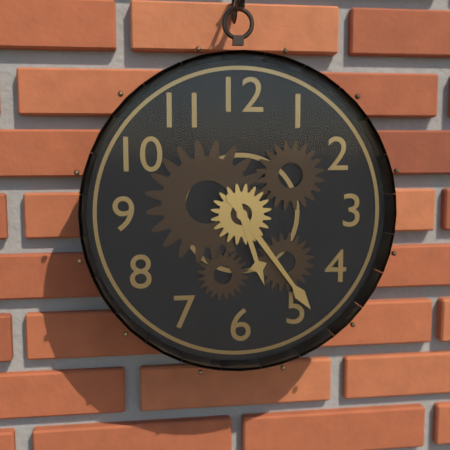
5:24
